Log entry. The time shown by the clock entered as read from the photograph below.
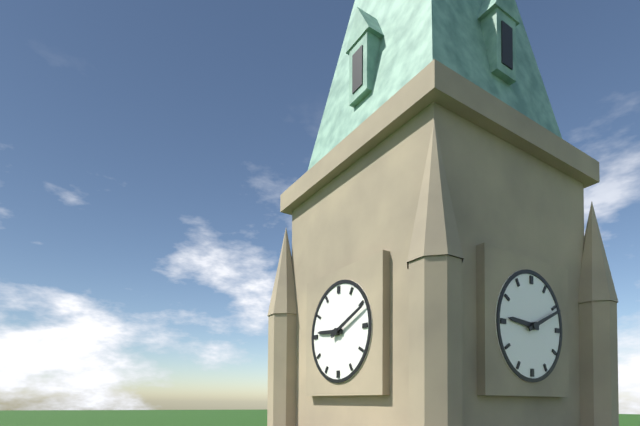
9:11
